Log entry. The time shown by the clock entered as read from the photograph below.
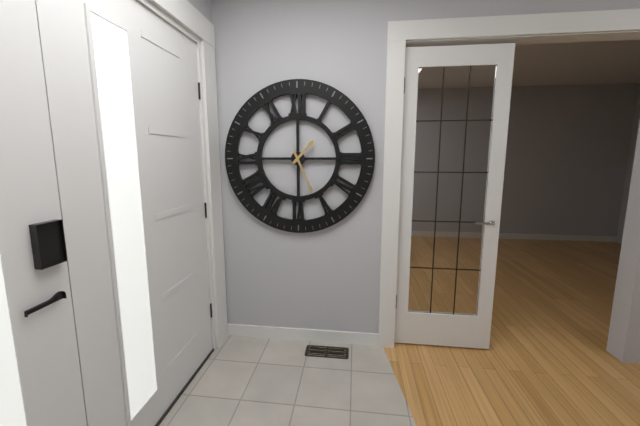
1:26
